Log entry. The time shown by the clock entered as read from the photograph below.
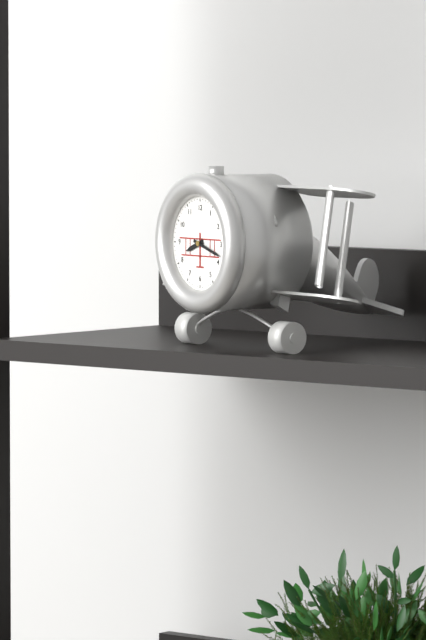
8:18
